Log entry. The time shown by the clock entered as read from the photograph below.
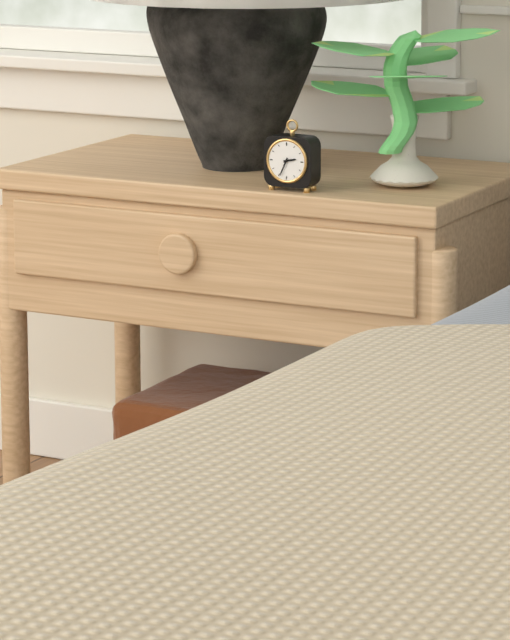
2:34
